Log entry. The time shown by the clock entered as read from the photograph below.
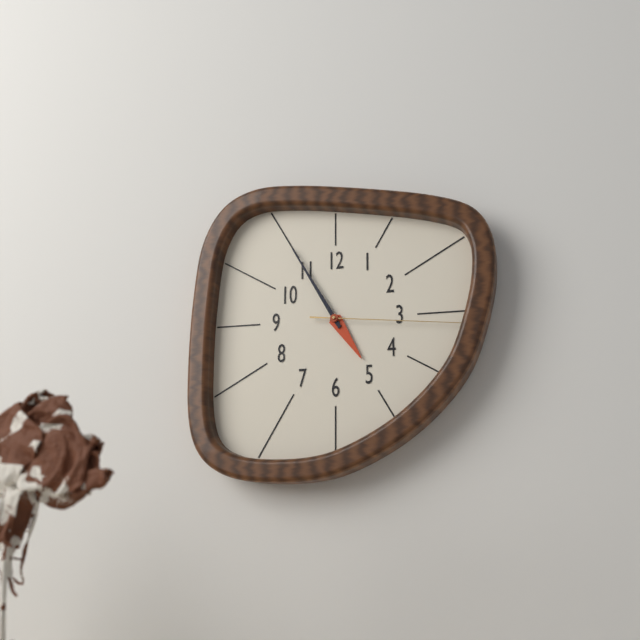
4:55:16
